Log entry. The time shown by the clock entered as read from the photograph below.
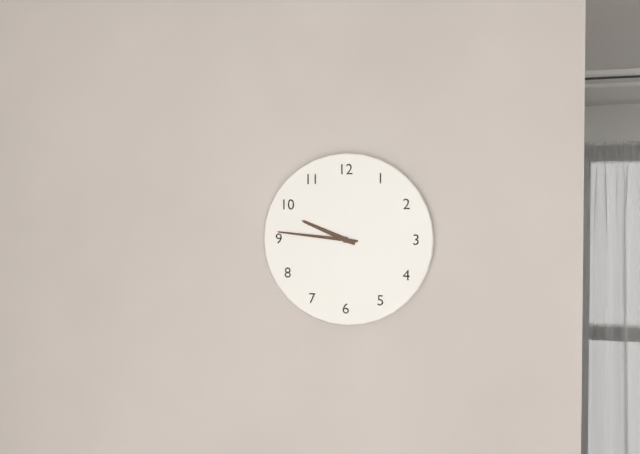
9:46
